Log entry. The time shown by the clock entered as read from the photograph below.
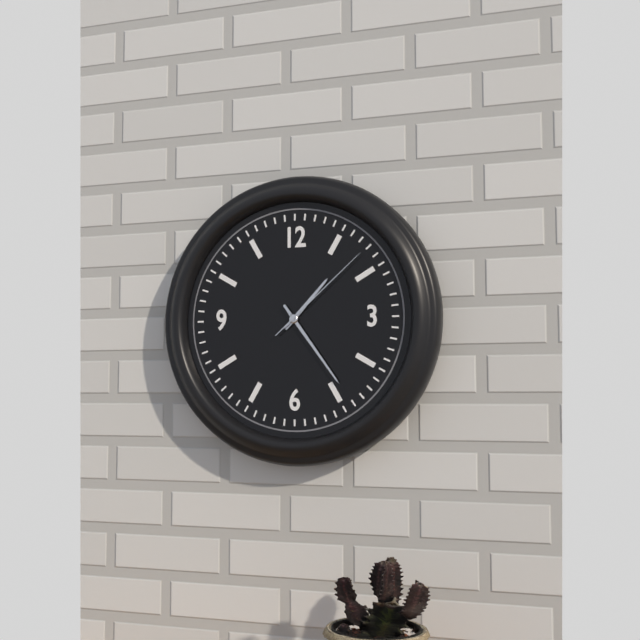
1:24:08
